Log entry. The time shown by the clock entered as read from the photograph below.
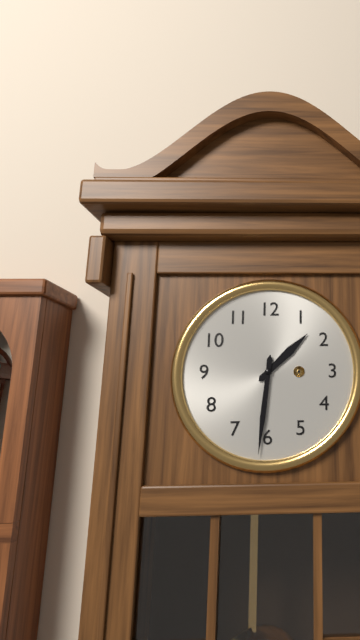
1:31
